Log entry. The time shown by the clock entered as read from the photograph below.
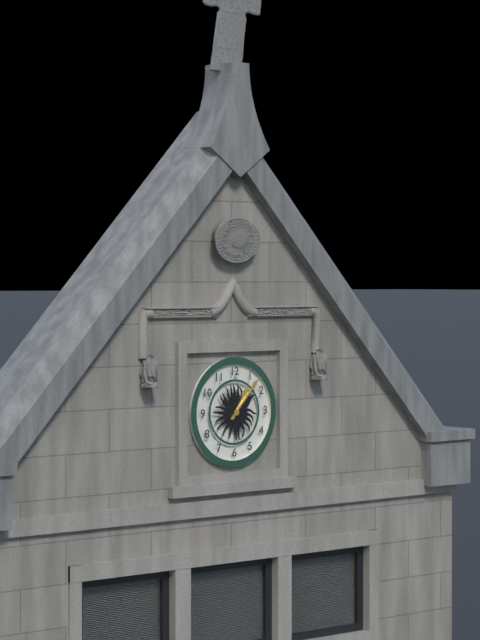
1:07
